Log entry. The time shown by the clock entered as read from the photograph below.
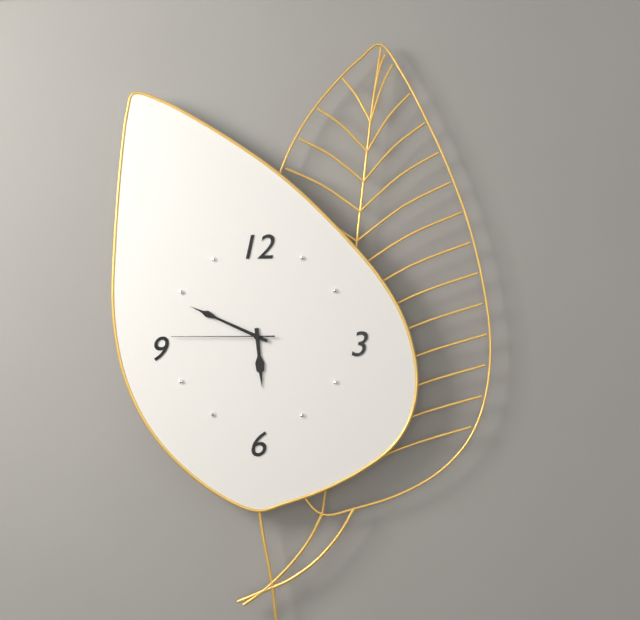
5:49:45
